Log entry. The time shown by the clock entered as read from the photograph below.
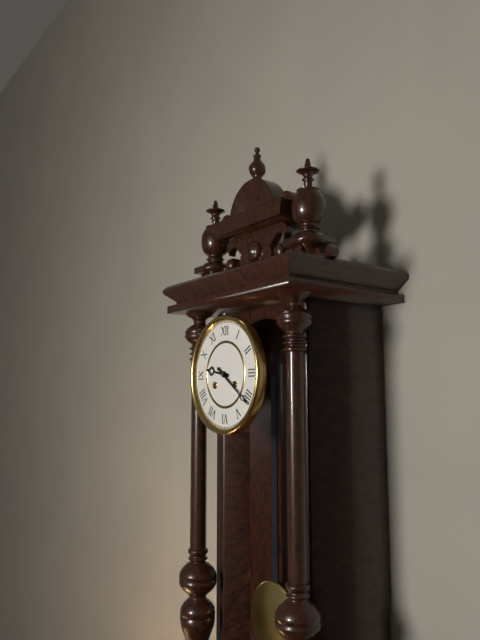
9:21
